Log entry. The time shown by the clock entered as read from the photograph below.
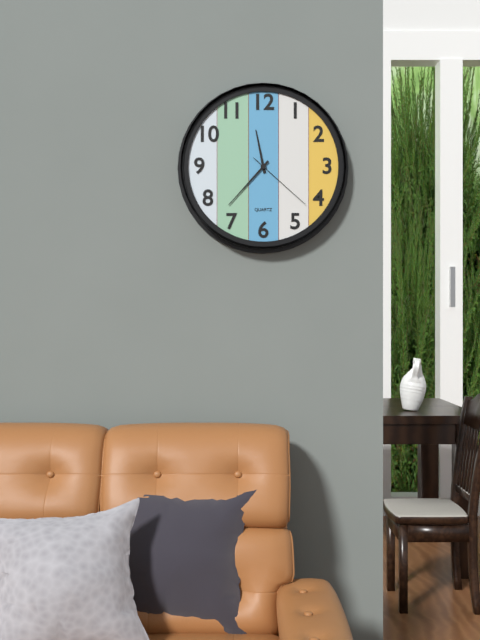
11:37:22
